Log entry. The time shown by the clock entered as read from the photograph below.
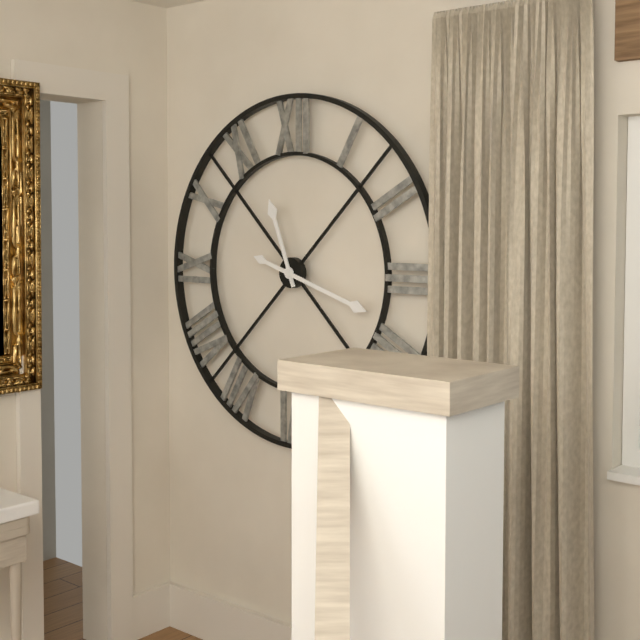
11:18
